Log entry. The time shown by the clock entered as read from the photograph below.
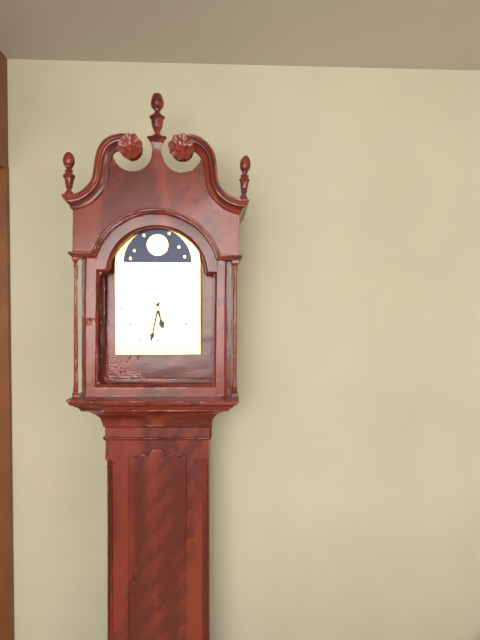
5:32
